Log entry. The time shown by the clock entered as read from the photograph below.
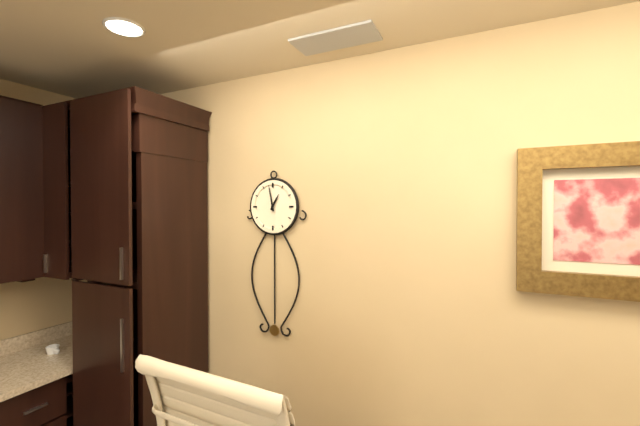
12:58
